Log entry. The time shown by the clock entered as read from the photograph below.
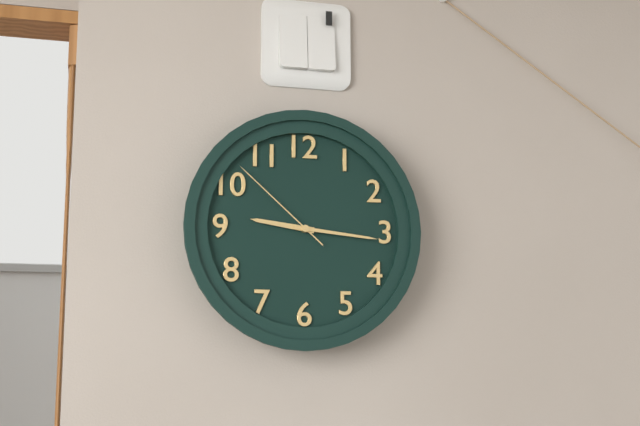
9:16:52
